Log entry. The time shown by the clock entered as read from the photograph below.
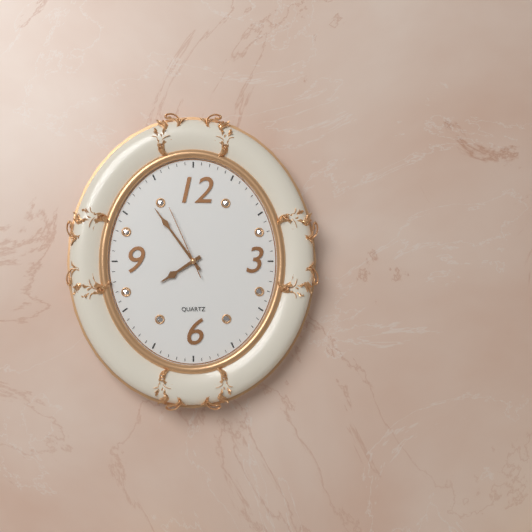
7:54:56
